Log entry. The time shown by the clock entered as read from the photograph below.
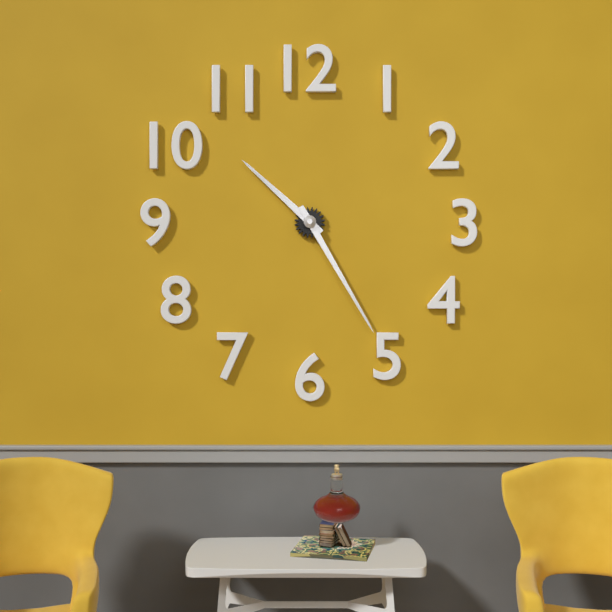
10:25
